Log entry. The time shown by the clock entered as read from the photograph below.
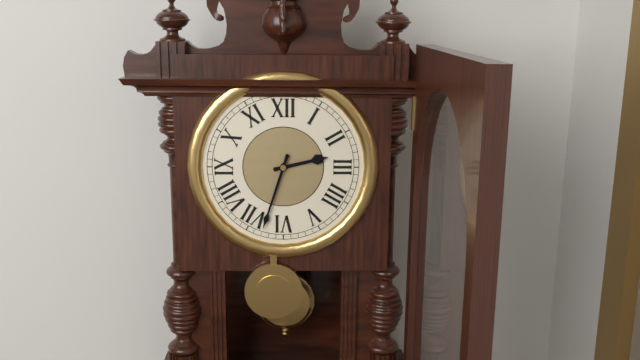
2:33
